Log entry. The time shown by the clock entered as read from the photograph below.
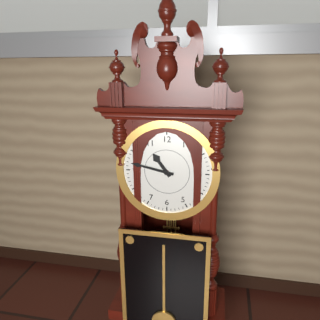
10:47
